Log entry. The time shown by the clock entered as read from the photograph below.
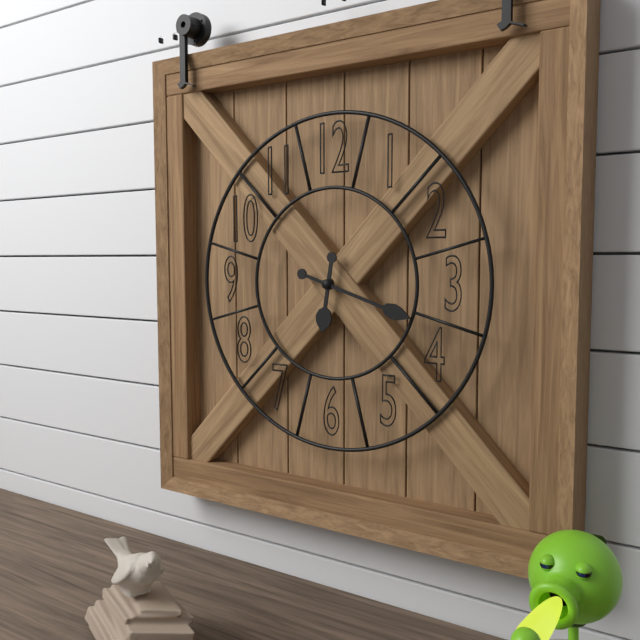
6:18
